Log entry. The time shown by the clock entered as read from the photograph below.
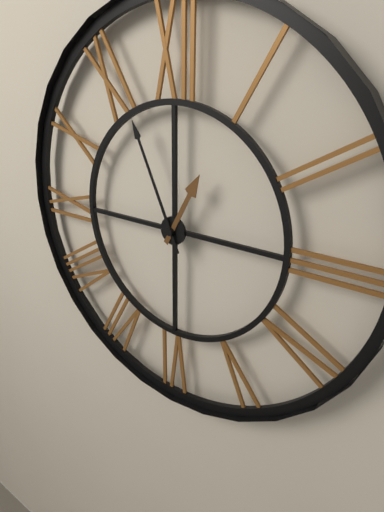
12:56
